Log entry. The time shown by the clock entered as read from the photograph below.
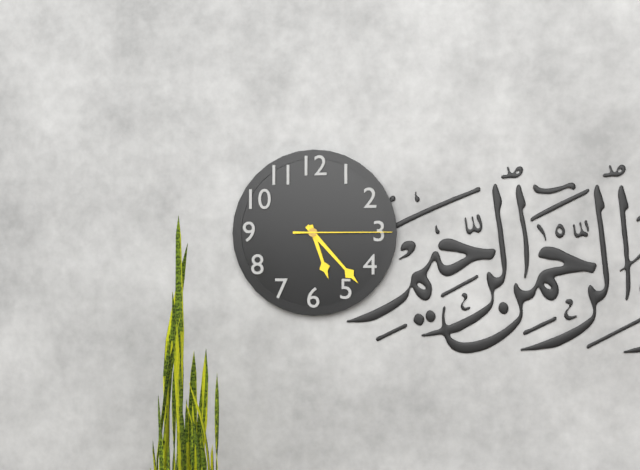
5:23:15
